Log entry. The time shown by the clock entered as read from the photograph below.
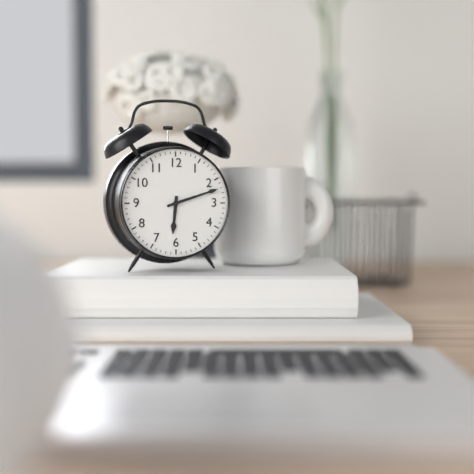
6:12
